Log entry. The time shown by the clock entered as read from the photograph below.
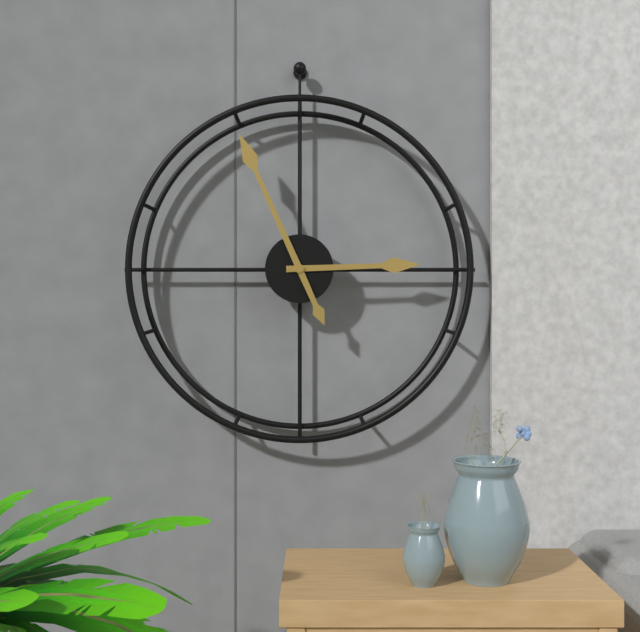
2:56
